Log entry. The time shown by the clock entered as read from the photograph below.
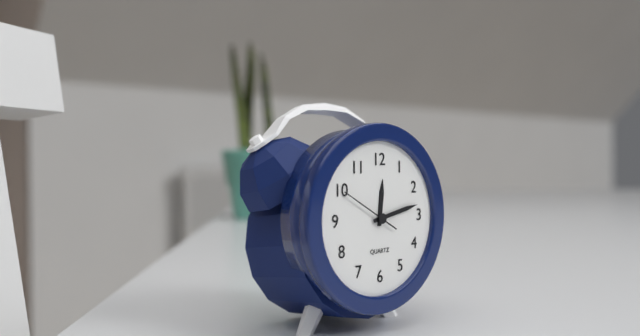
12:13:50
